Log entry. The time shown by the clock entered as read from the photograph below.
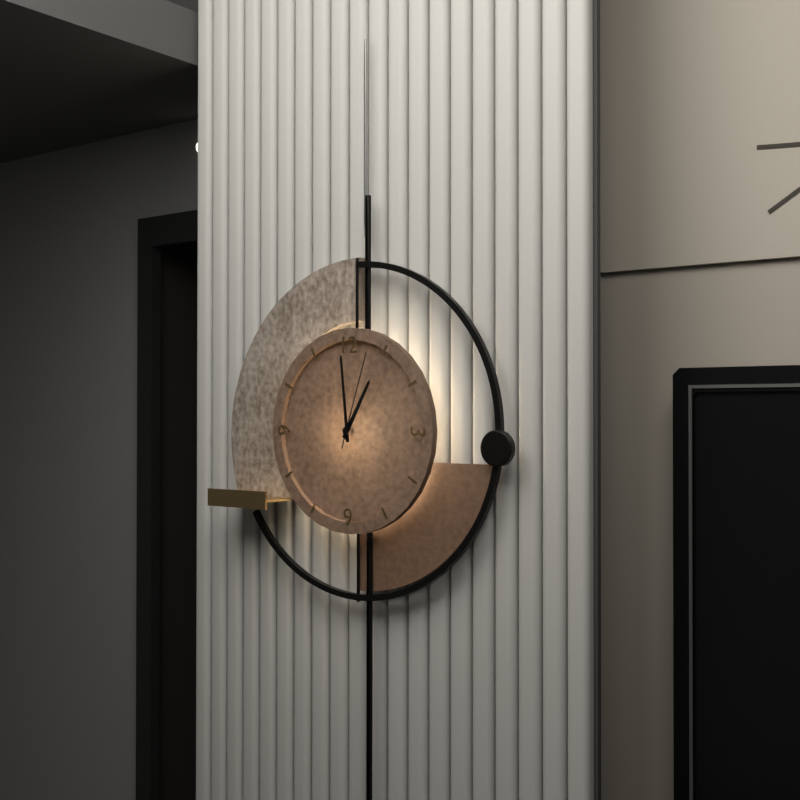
12:59:03
